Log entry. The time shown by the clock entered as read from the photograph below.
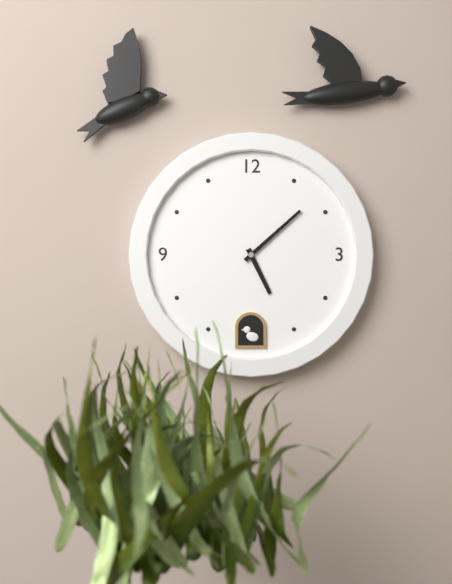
5:08
